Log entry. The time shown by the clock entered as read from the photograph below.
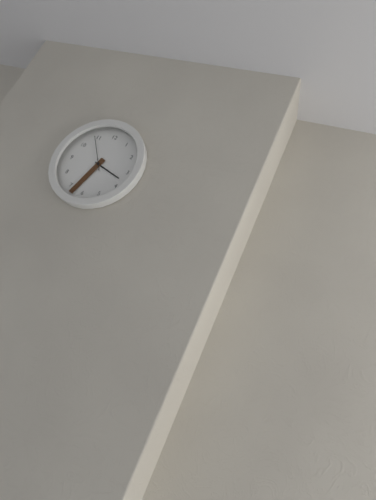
3:33
